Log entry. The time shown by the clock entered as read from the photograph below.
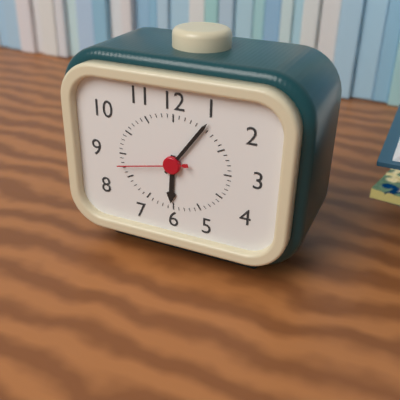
6:06:43
